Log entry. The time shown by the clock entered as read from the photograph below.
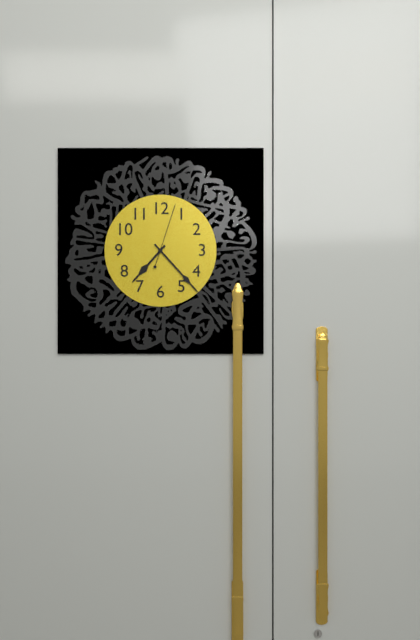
7:23:03
